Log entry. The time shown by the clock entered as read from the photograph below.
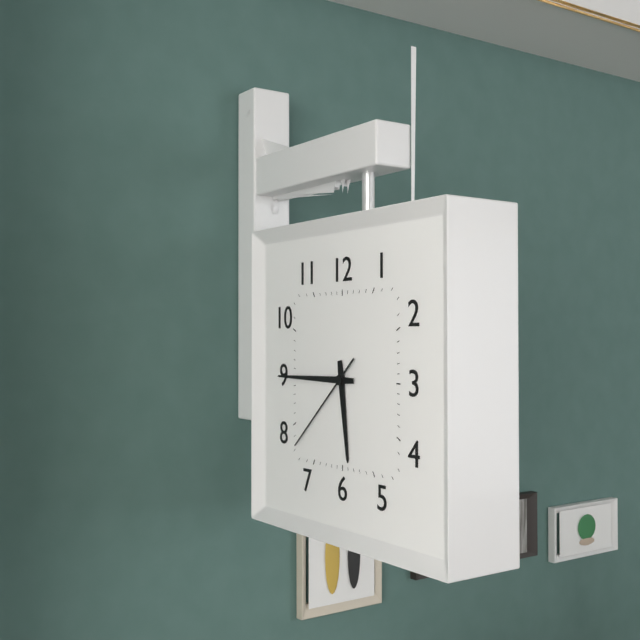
5:45:38
